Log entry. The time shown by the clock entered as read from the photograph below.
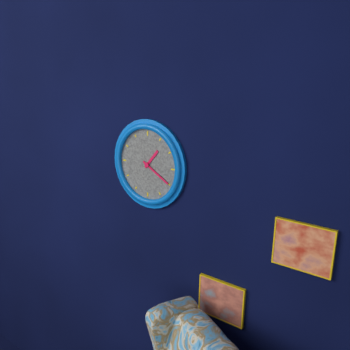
1:20
